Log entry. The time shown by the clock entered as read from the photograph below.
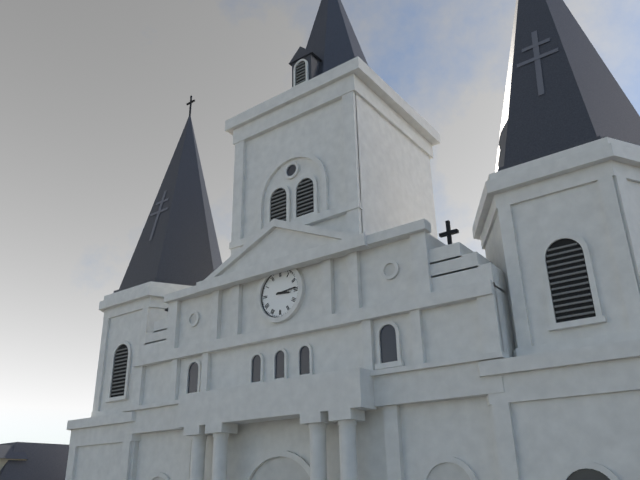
3:14
